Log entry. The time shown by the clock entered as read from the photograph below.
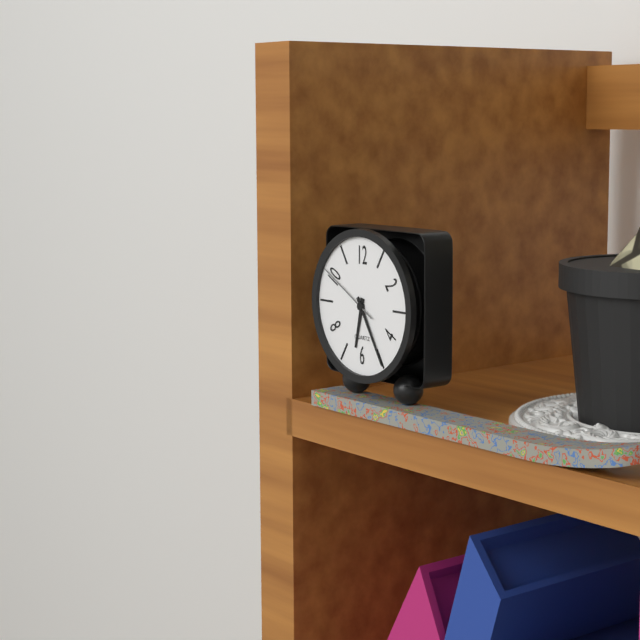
6:25:50
